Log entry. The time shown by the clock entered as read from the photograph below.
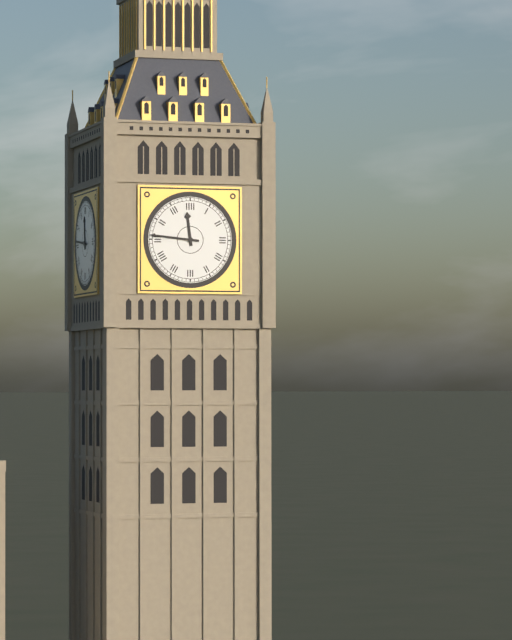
11:46
